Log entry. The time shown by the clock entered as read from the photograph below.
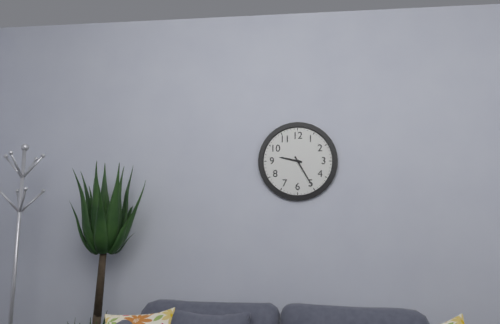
9:25
